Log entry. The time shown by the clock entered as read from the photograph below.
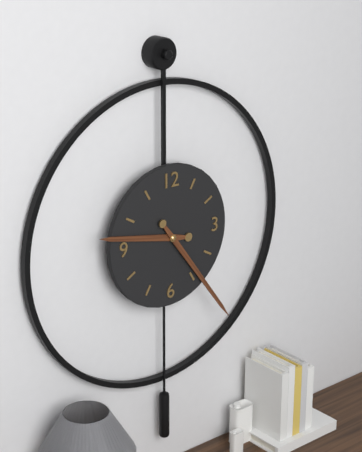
9:24
